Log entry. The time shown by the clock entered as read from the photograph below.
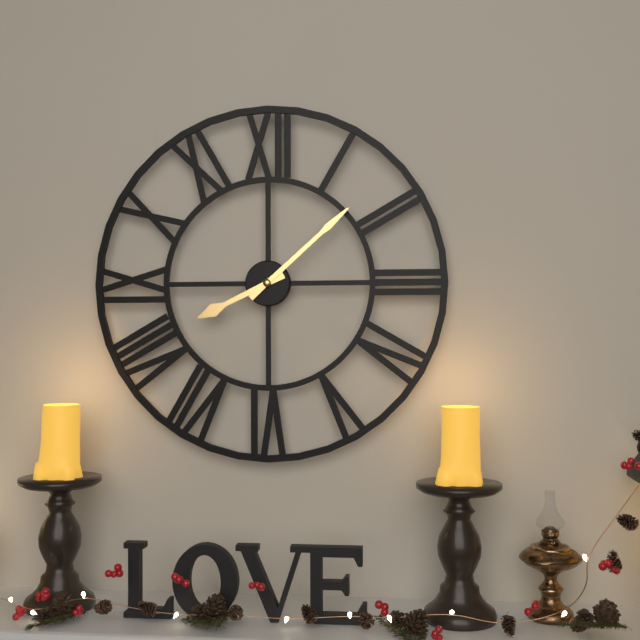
8:08
